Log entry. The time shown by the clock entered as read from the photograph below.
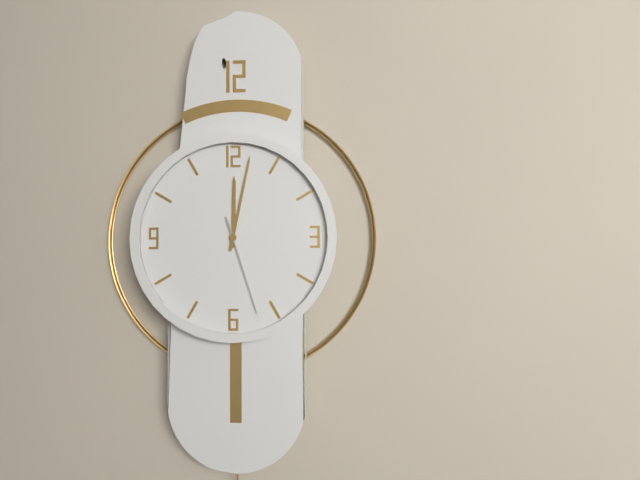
12:02:27
